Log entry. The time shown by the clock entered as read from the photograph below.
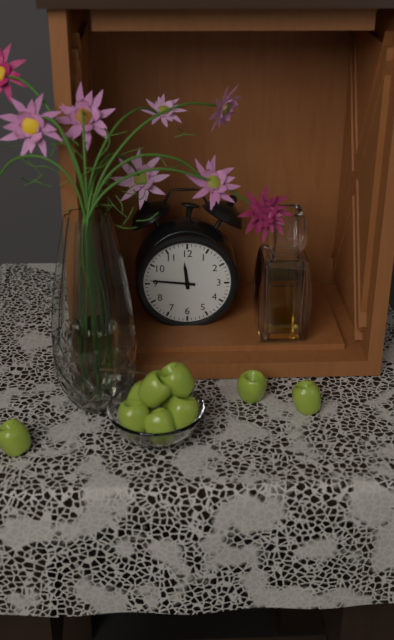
11:46
